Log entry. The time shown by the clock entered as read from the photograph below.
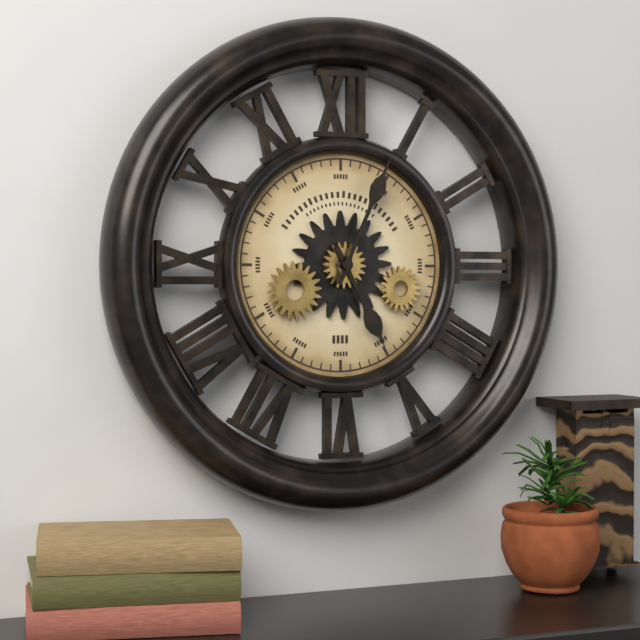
5:04
